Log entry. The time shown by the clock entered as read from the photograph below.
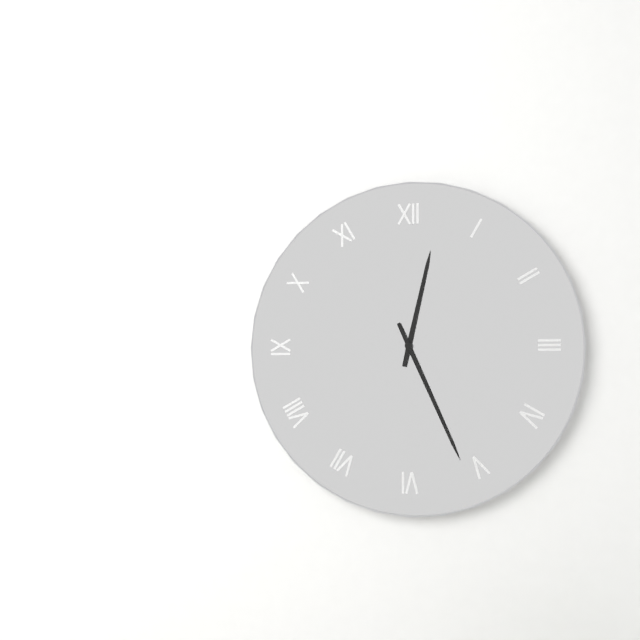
12:26
